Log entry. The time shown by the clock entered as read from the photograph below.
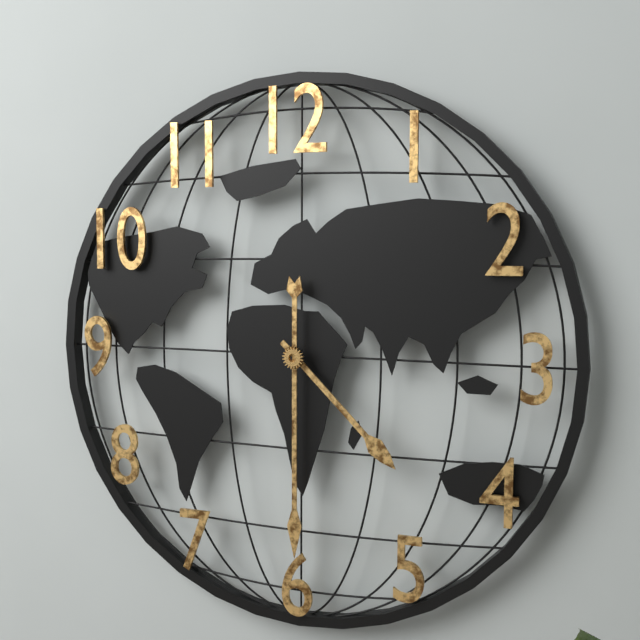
4:30
